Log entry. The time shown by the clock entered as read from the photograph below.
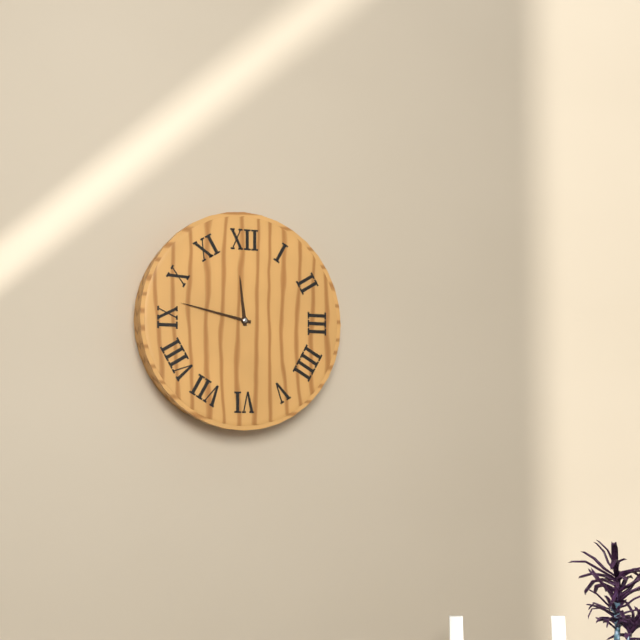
11:47
